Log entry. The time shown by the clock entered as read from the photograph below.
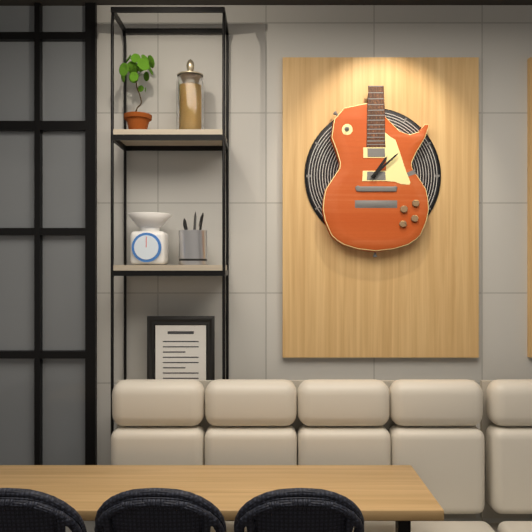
1:08
